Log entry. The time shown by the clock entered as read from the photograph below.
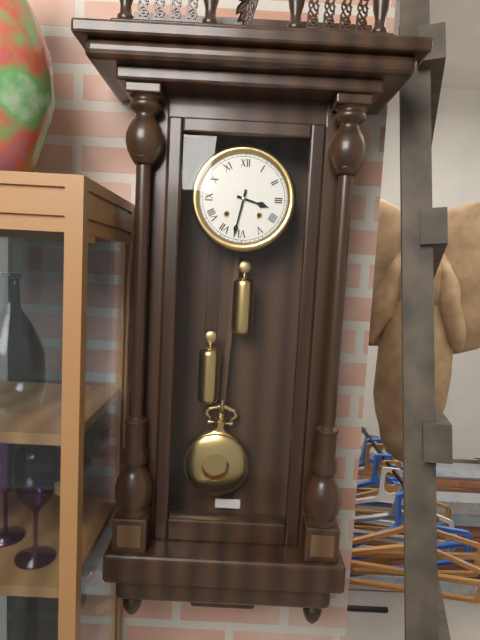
3:32
